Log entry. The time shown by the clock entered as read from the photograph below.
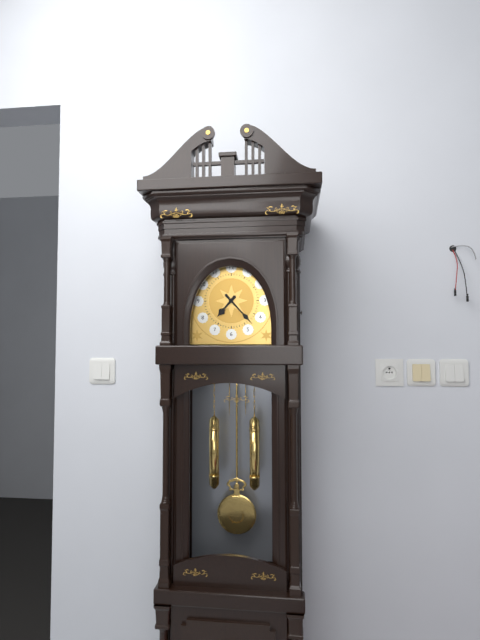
7:23
